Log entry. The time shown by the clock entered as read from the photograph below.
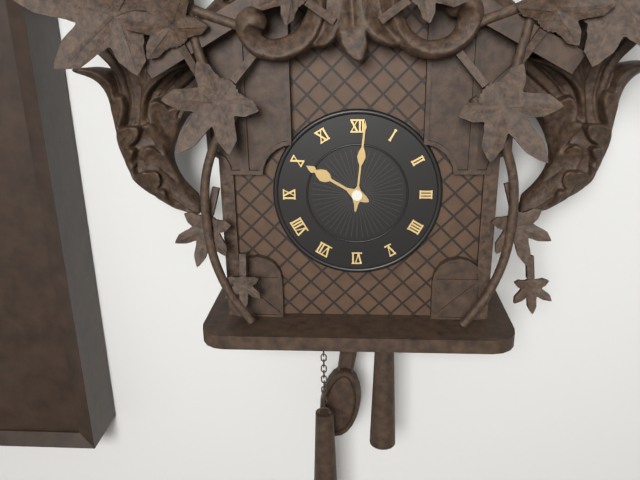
10:01
